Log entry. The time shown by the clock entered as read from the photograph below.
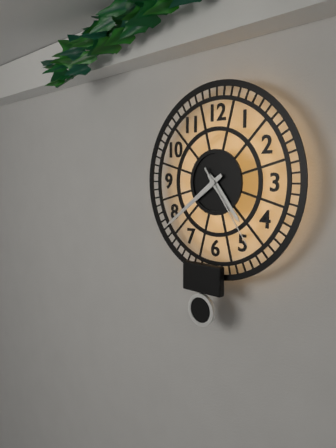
4:39:24
